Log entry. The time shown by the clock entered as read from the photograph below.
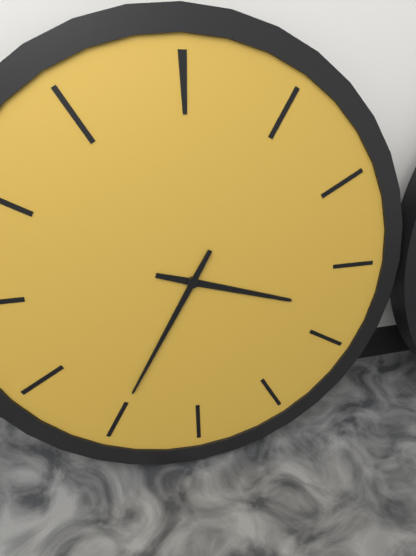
3:35
